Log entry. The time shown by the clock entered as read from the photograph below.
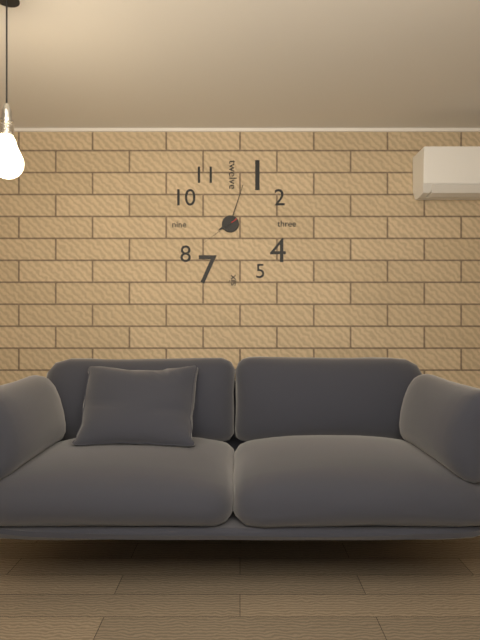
8:03
